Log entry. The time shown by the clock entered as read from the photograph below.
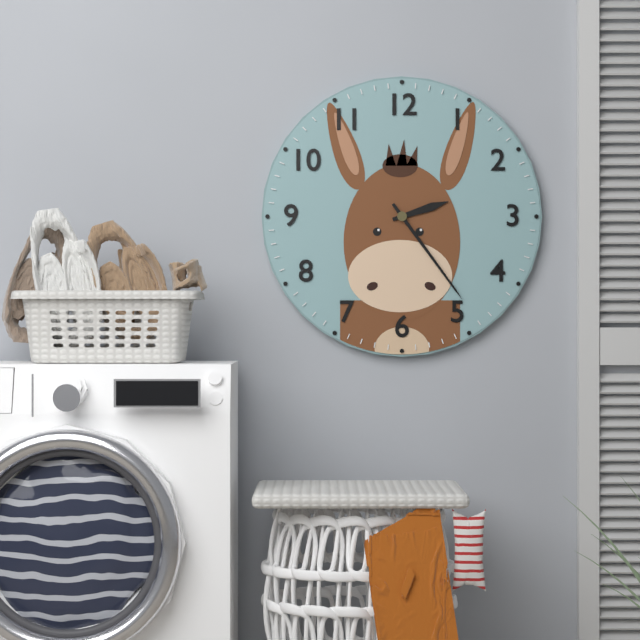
2:24
